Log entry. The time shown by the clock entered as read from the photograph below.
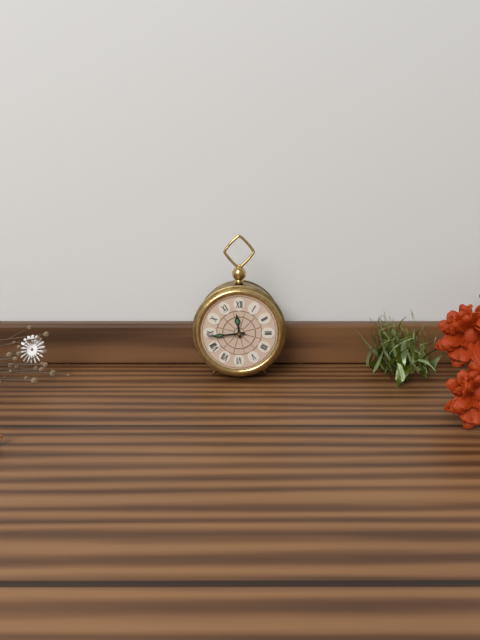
11:44
